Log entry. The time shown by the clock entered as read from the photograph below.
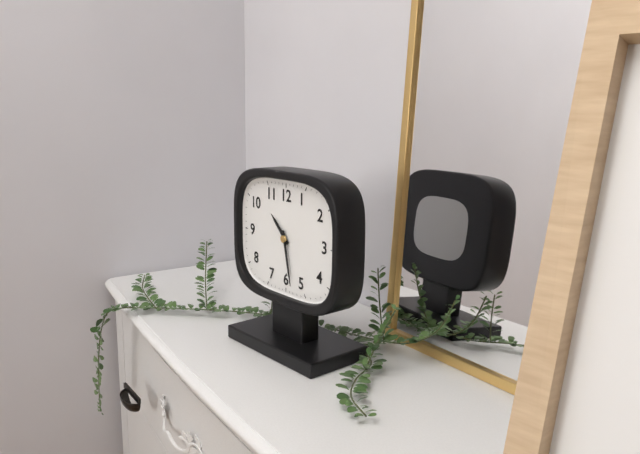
10:28
